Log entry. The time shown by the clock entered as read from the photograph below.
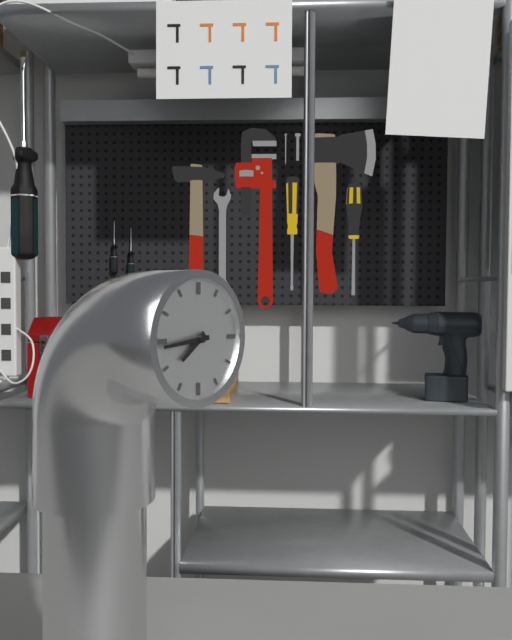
7:44
